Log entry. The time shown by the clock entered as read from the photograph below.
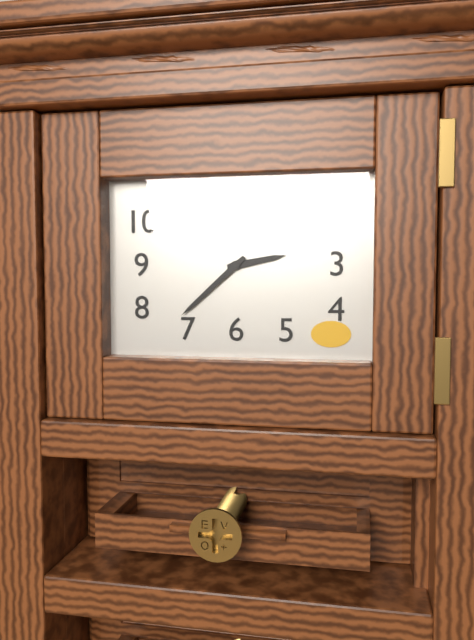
2:38
